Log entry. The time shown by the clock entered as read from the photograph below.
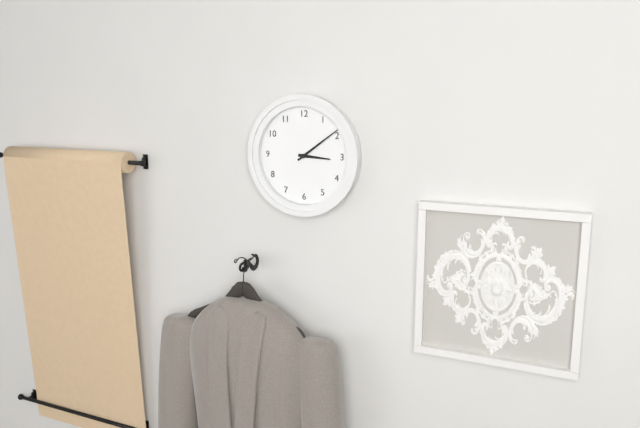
3:09
